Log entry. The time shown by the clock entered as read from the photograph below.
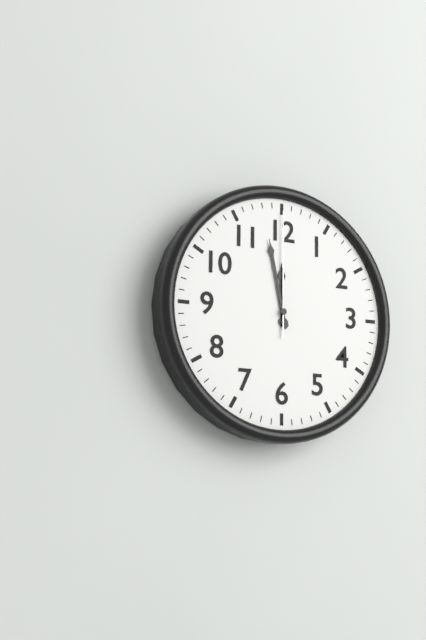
11:58:00
